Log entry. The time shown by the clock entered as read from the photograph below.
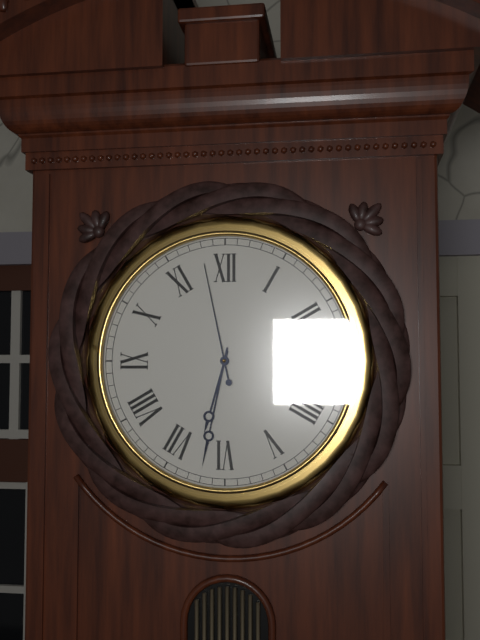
6:32:58
